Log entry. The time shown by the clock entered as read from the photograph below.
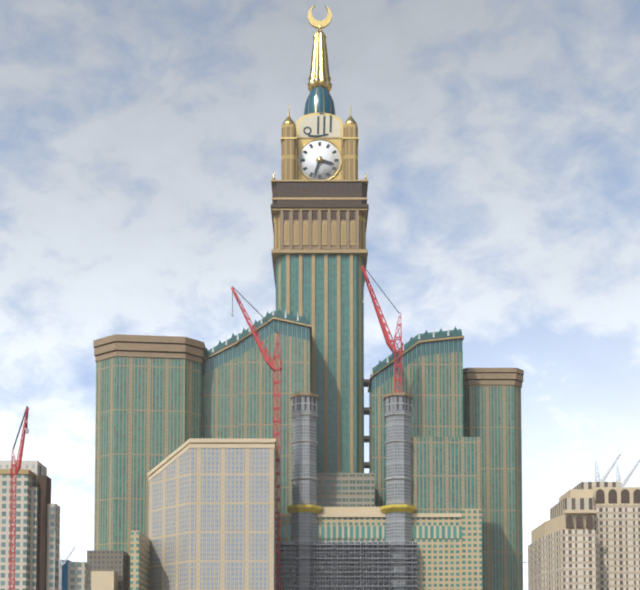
3:33
